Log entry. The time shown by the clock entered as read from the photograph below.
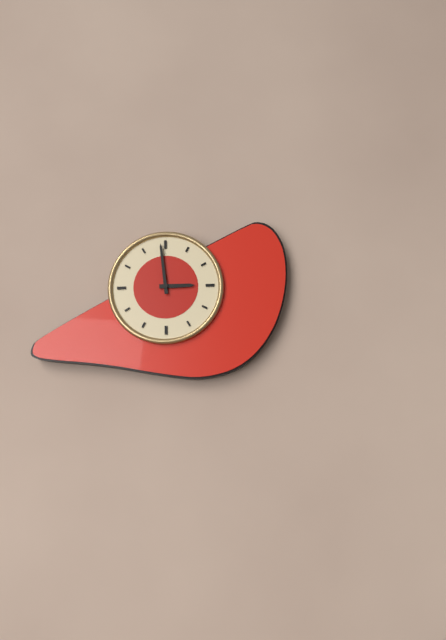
2:59
